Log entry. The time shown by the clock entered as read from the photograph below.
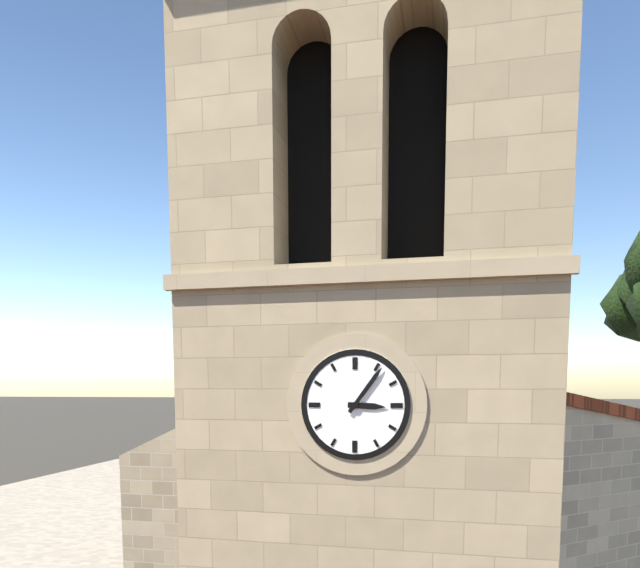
3:06
